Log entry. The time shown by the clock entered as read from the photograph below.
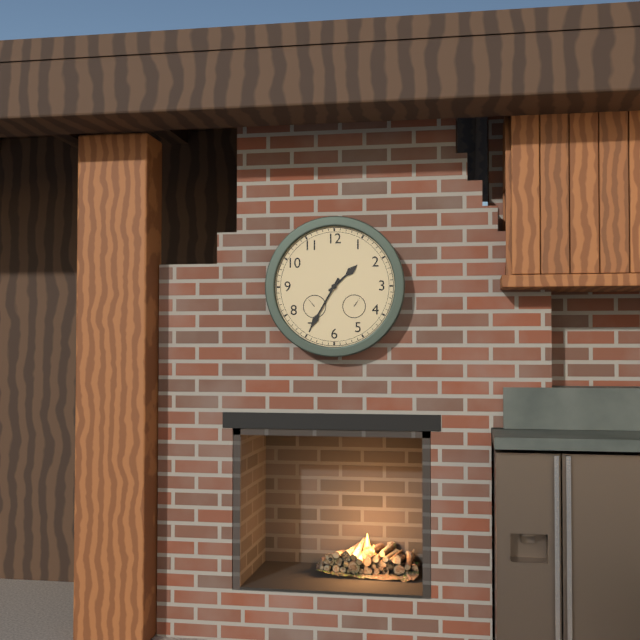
1:35
